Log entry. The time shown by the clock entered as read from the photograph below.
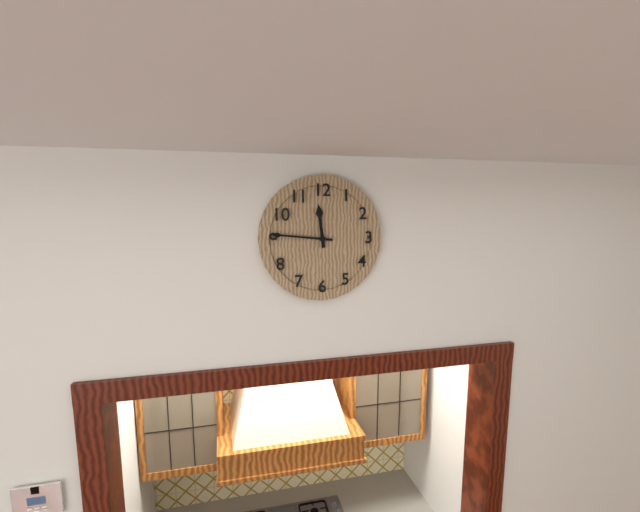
11:46
